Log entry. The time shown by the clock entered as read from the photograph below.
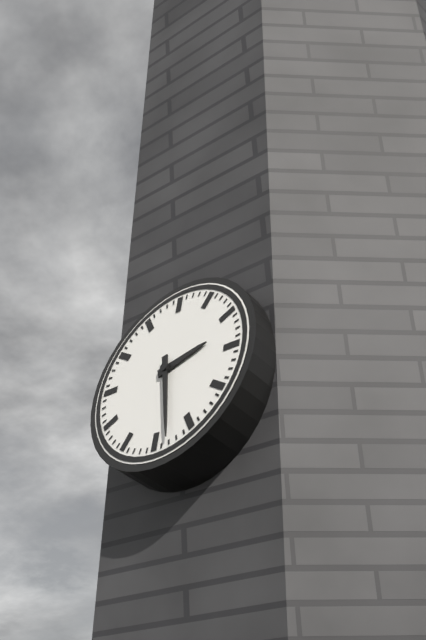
2:28
